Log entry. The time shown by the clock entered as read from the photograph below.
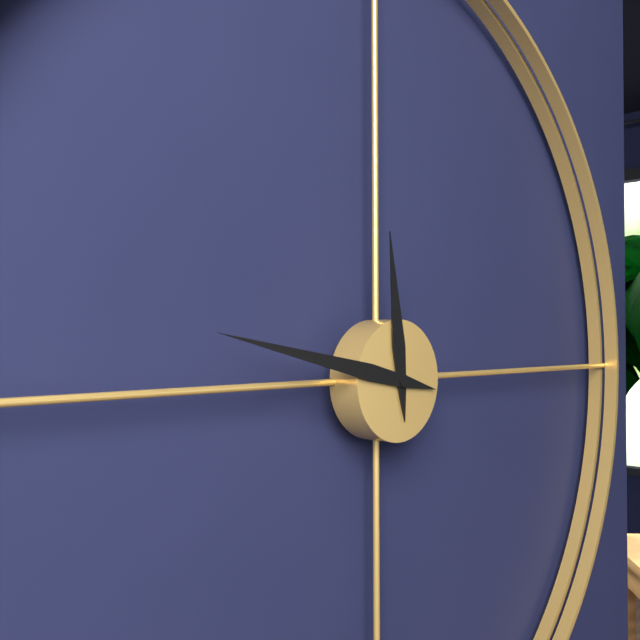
11:47
